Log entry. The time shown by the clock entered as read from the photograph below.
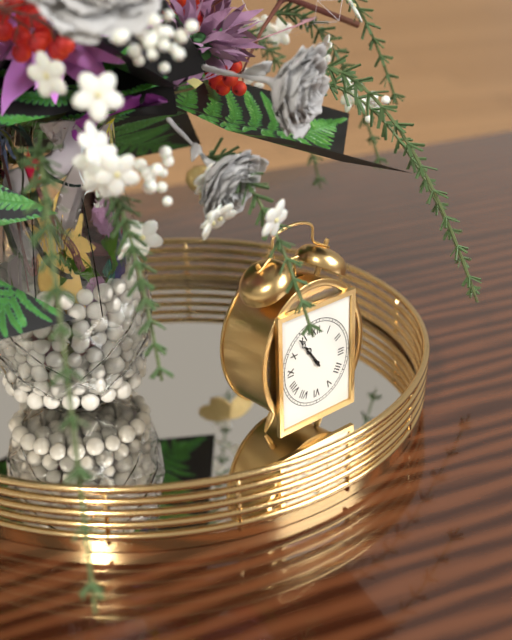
10:54
